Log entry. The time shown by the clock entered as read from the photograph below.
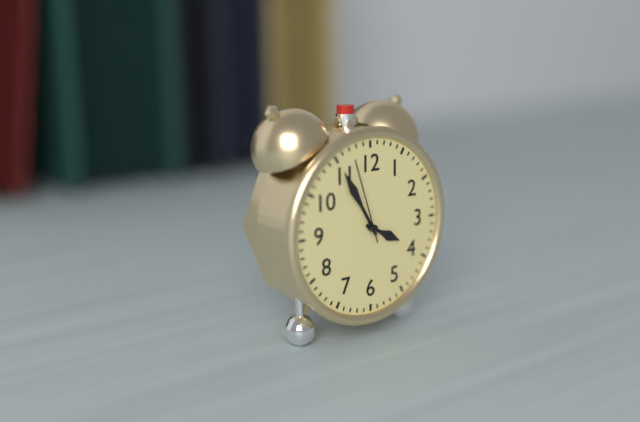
3:55:57
